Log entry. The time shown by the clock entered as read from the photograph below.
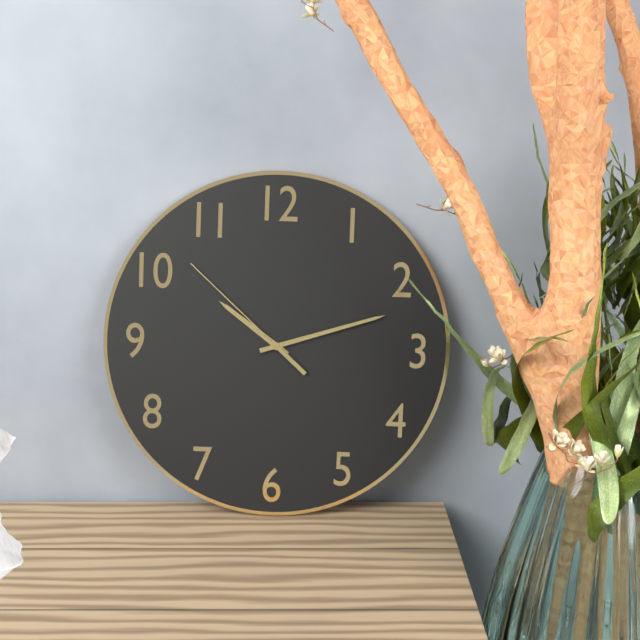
10:12:52
